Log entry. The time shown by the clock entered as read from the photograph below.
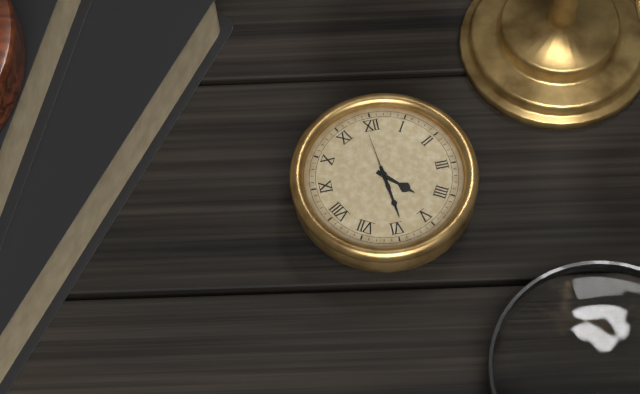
4:29:59
